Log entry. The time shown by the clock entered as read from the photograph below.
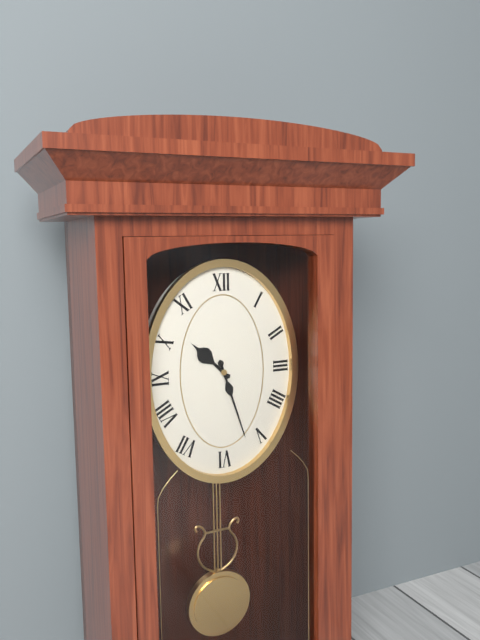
10:27
